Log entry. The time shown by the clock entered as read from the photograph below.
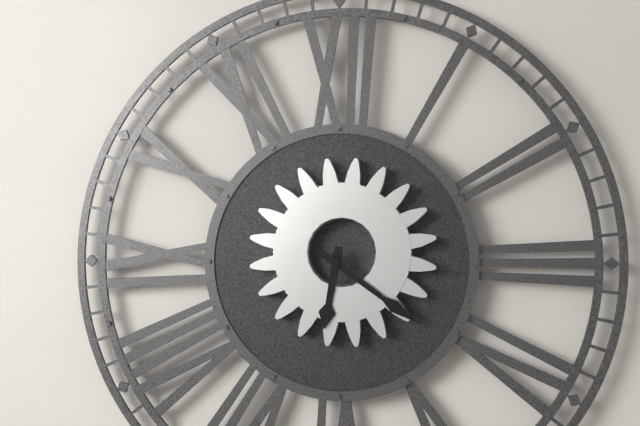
6:21
